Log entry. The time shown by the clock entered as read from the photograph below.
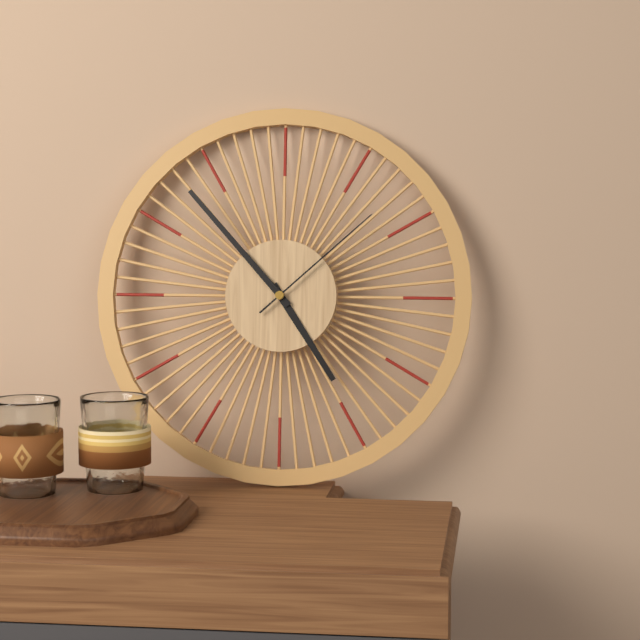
4:53:08
